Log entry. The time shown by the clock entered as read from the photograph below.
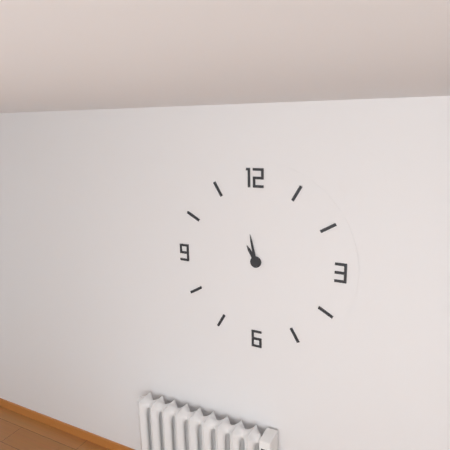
10:58
